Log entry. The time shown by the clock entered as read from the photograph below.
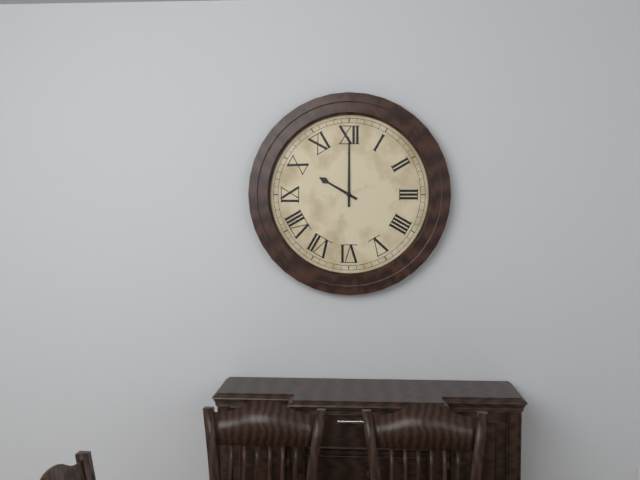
10:00
